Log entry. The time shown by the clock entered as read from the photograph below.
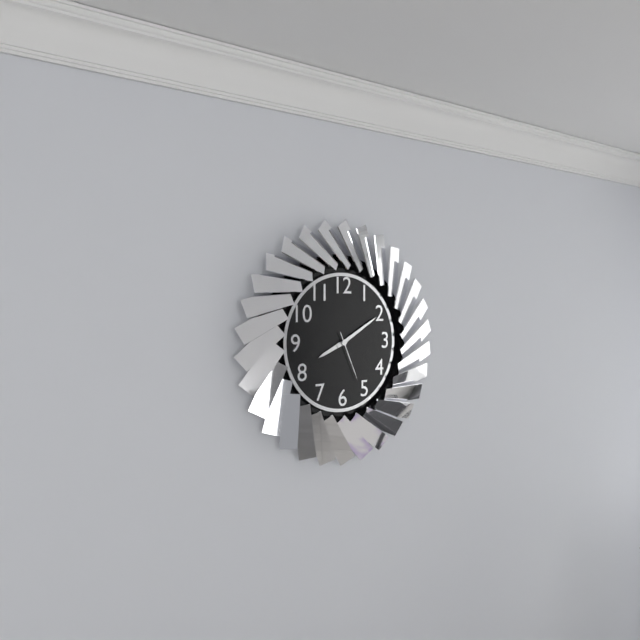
8:10:26
